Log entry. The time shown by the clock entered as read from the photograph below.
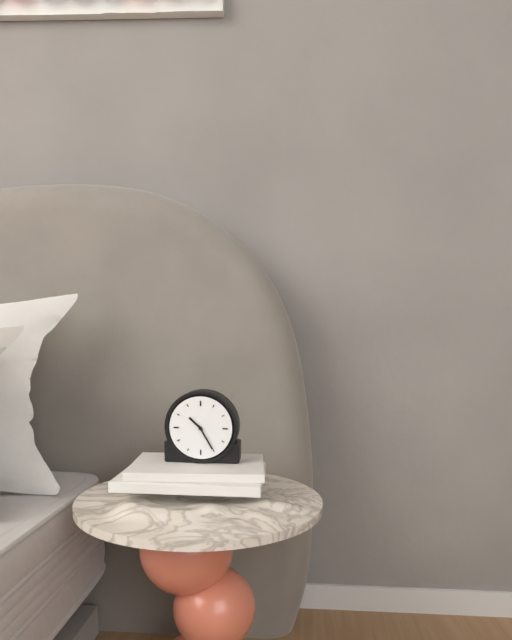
10:25
